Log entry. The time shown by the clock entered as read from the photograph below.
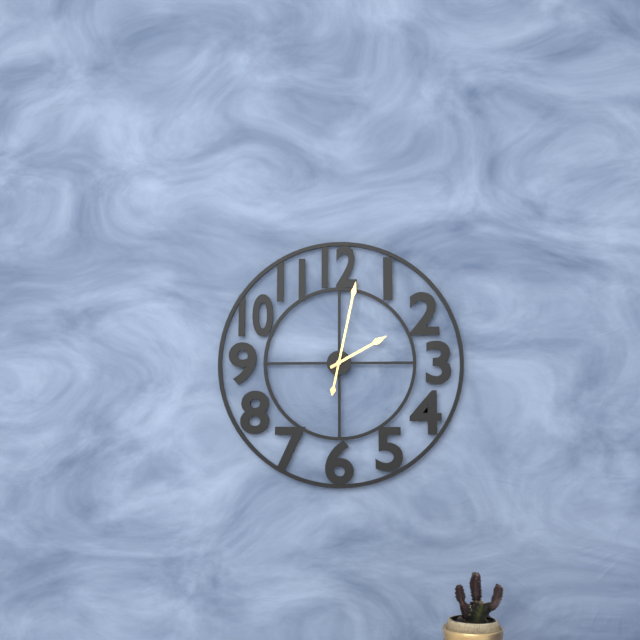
2:02
